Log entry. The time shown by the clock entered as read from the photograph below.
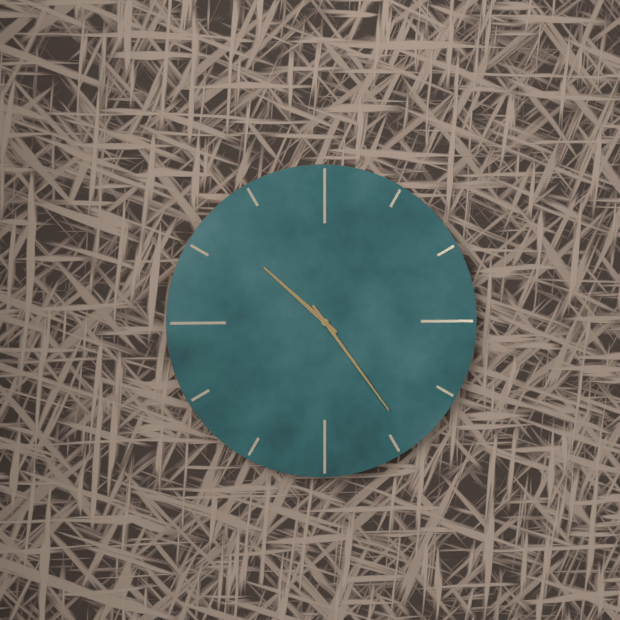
10:24
